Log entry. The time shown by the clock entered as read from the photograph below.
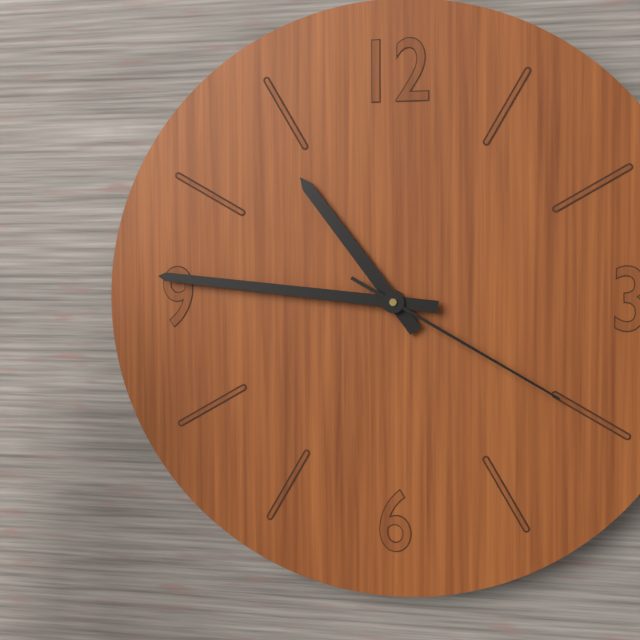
10:46:20
